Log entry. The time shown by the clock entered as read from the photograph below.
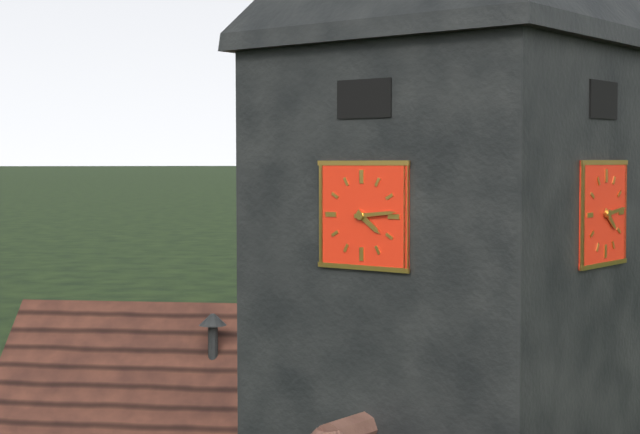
4:14
